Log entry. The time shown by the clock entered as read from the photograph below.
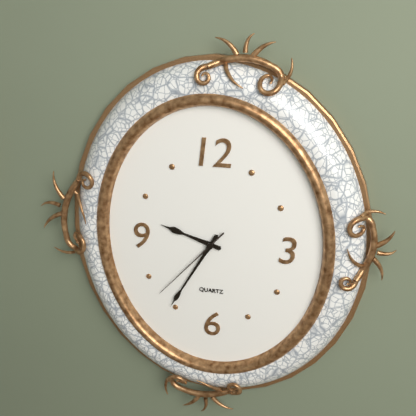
9:35:37
